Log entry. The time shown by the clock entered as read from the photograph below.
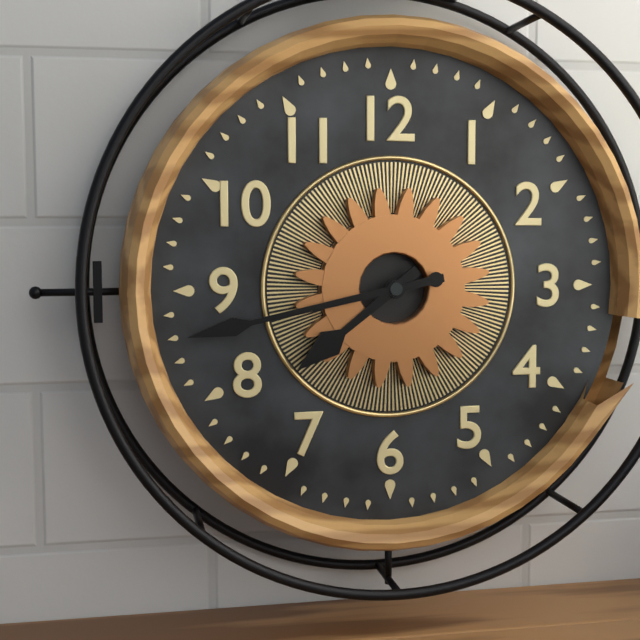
7:43
